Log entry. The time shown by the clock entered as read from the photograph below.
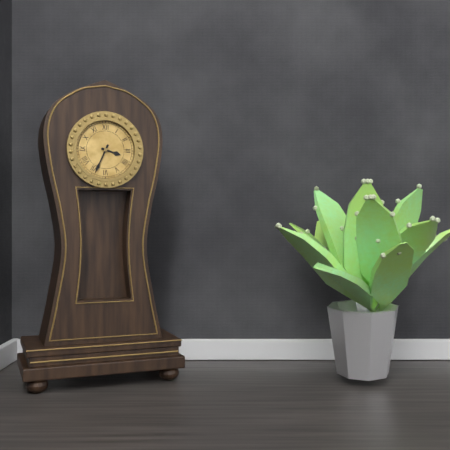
3:34
